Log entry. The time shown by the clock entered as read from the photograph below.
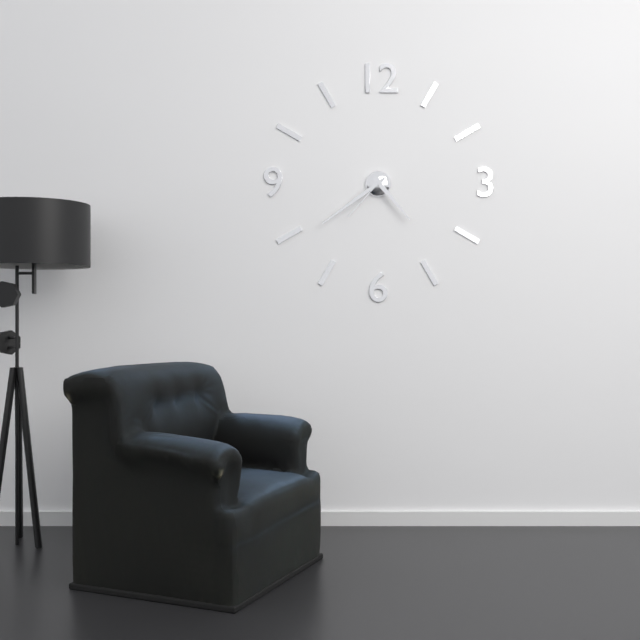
4:39:37
